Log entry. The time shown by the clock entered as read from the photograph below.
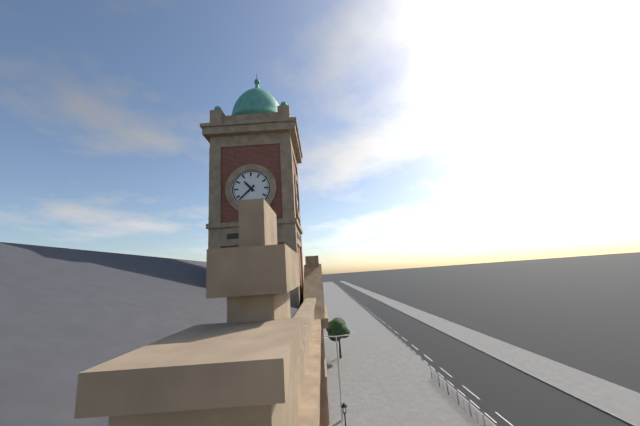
10:38
